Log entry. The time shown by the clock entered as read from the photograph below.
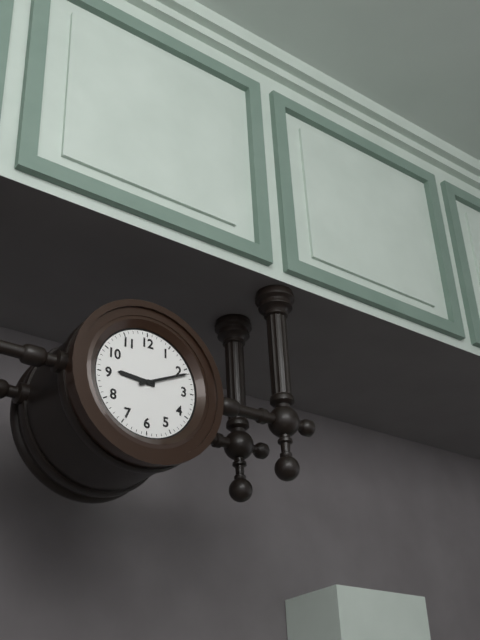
9:11
